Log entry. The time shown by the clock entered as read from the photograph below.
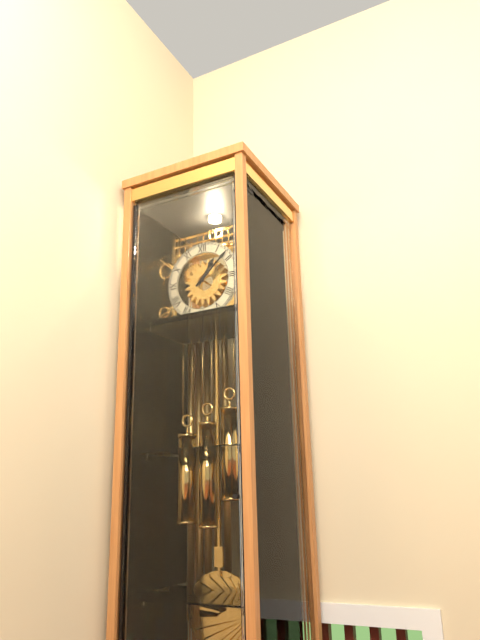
1:08
